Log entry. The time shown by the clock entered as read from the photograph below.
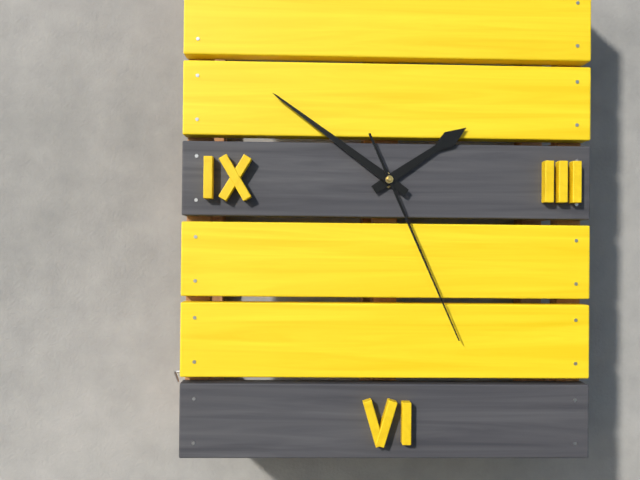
1:51:26
